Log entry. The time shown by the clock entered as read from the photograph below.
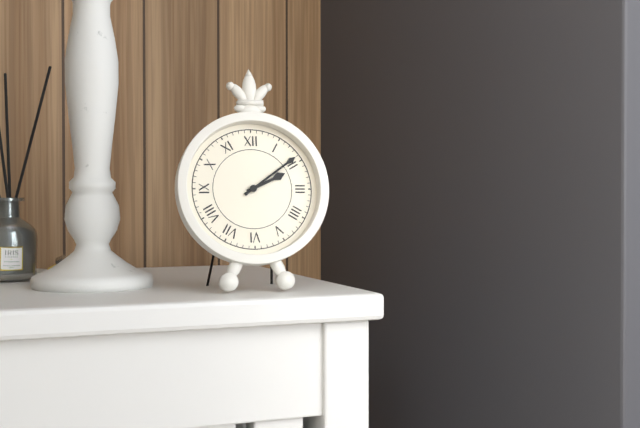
2:09
